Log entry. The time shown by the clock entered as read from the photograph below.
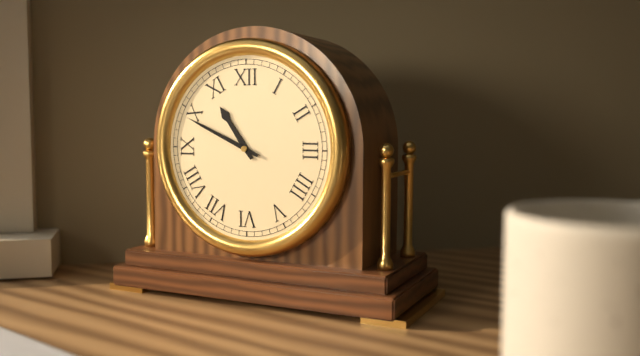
10:49
